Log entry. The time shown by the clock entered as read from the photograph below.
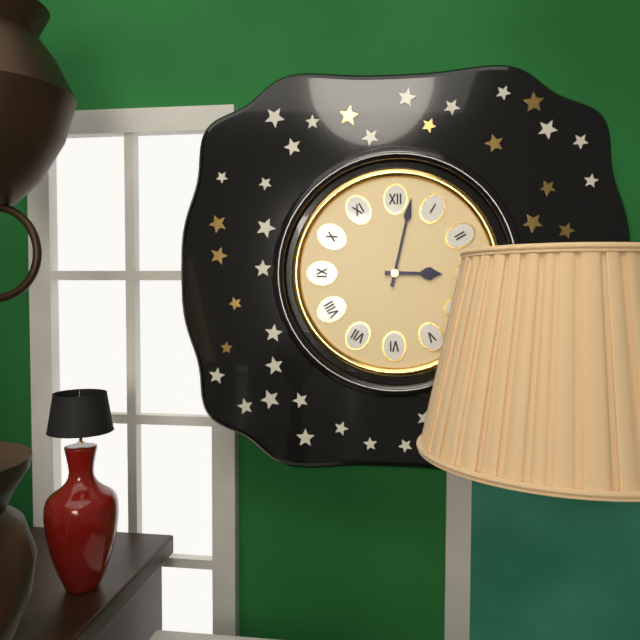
3:02
